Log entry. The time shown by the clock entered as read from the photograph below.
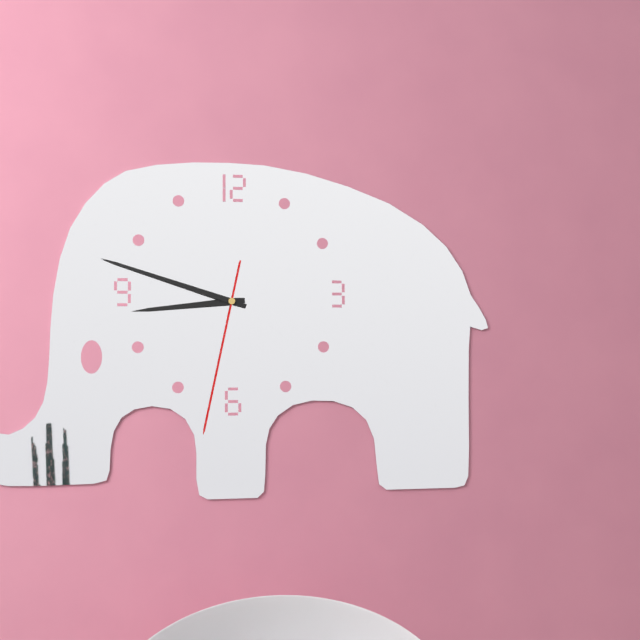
8:48:32
